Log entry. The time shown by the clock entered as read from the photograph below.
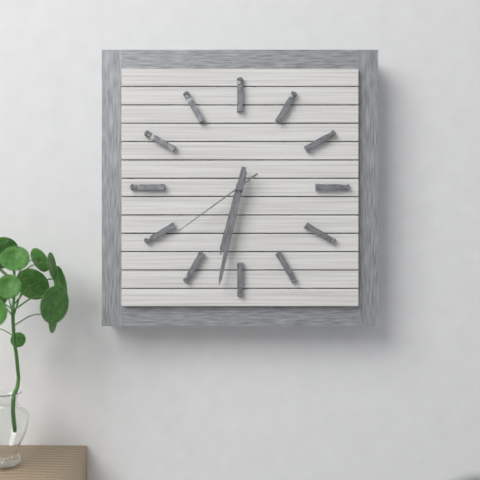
6:32:39
